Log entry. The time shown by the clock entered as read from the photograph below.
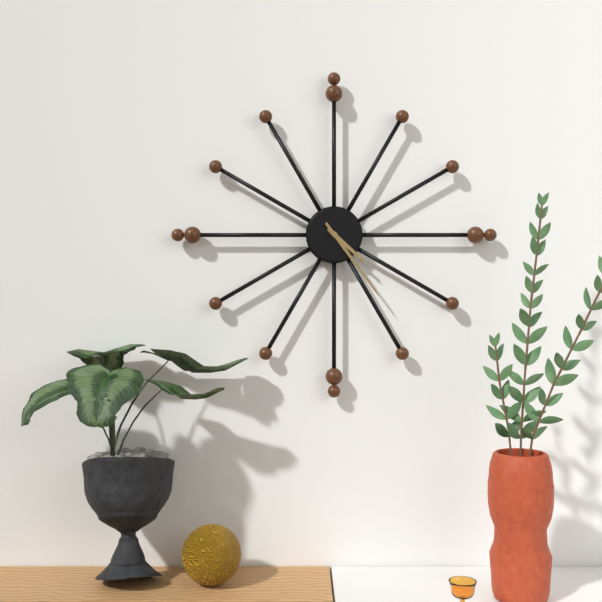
4:24
